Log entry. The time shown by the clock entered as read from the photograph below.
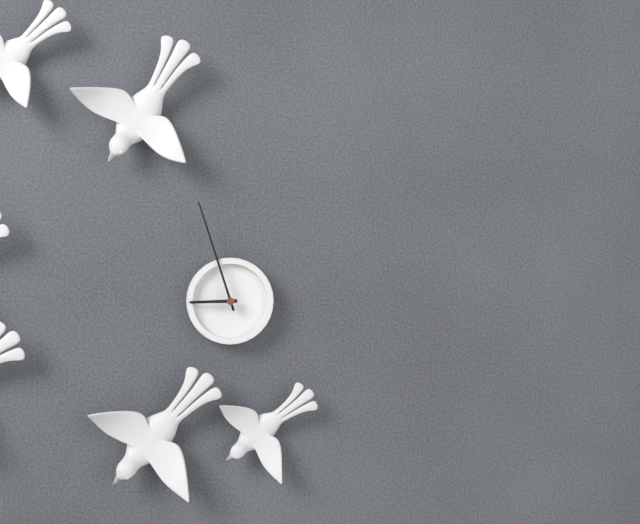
8:57
